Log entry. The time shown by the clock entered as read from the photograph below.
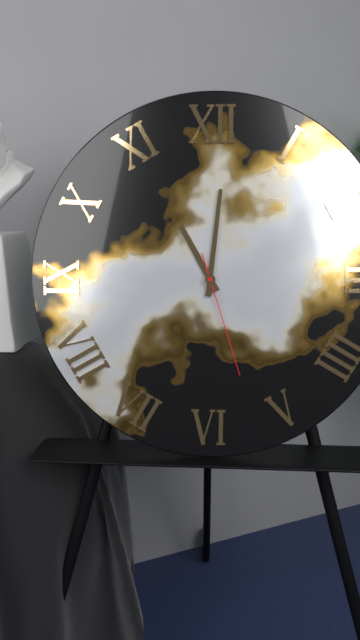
11:01:27
